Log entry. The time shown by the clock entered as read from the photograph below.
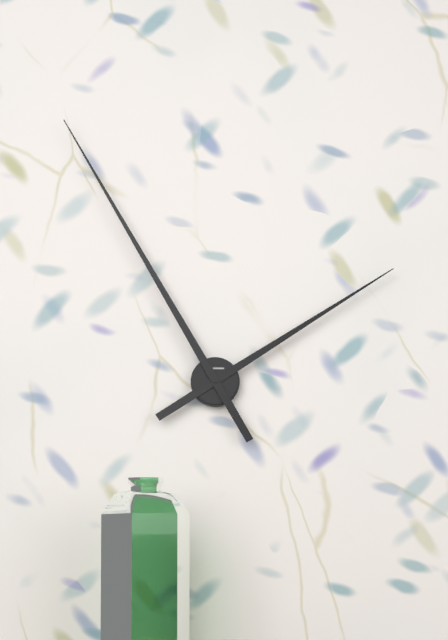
1:55
